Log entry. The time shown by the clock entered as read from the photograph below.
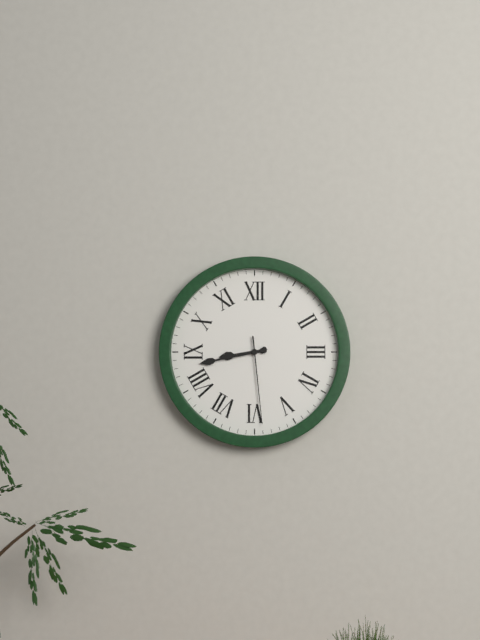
8:43:29
